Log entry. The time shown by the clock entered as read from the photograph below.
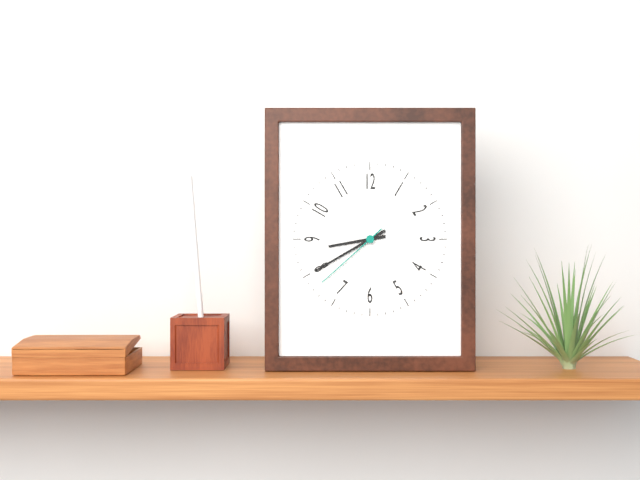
8:40:38
